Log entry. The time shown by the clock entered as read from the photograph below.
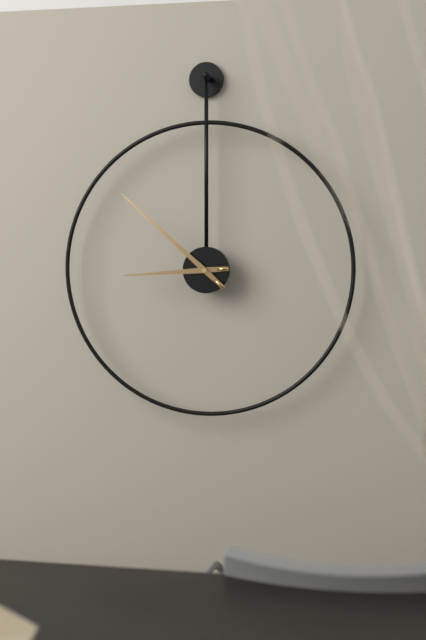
8:52
